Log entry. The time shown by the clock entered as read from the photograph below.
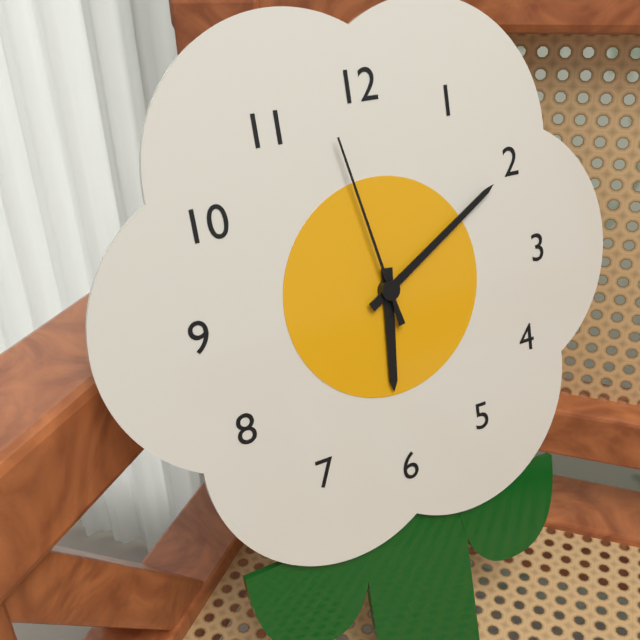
6:10:58
